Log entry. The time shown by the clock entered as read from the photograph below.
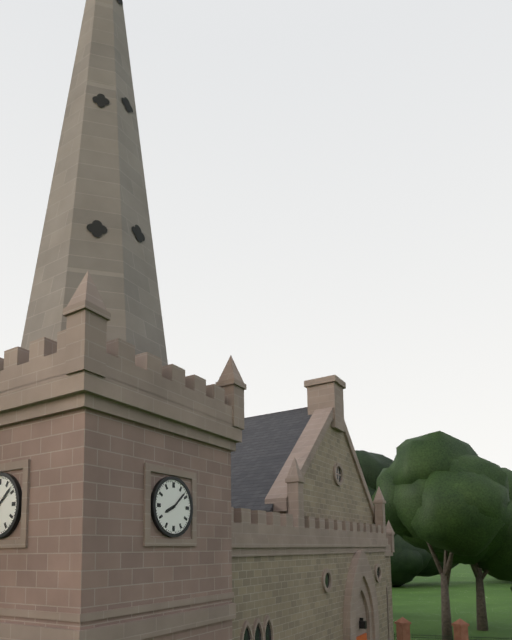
8:08
